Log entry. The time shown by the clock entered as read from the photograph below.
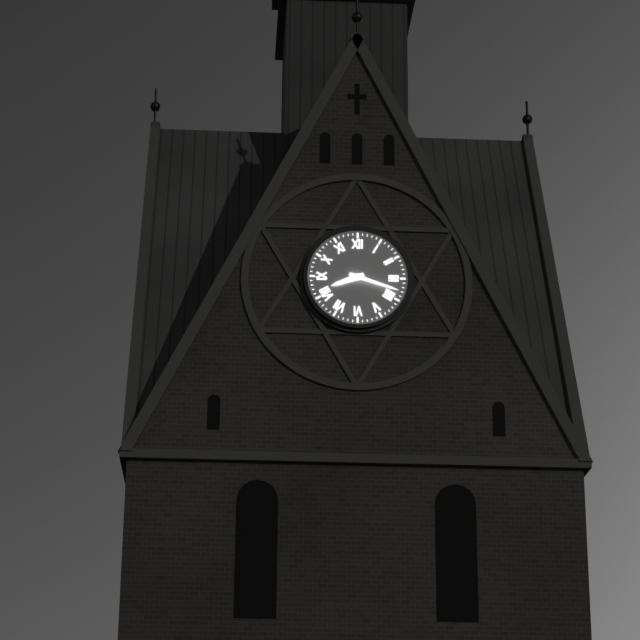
8:18
